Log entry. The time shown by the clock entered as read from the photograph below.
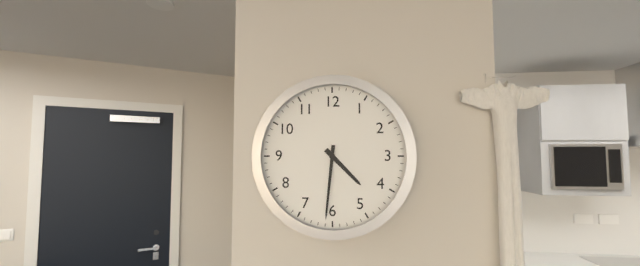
4:31
